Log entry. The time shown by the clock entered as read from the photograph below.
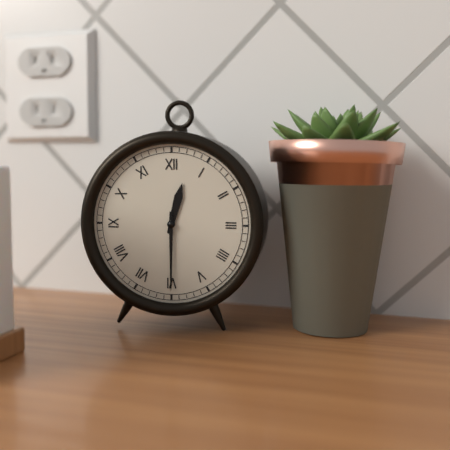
12:30
